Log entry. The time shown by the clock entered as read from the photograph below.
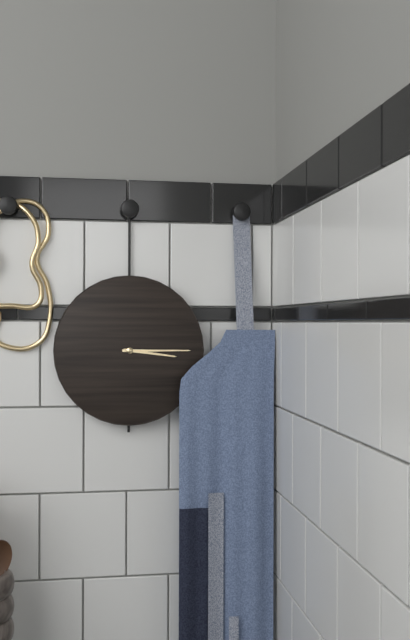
3:15
